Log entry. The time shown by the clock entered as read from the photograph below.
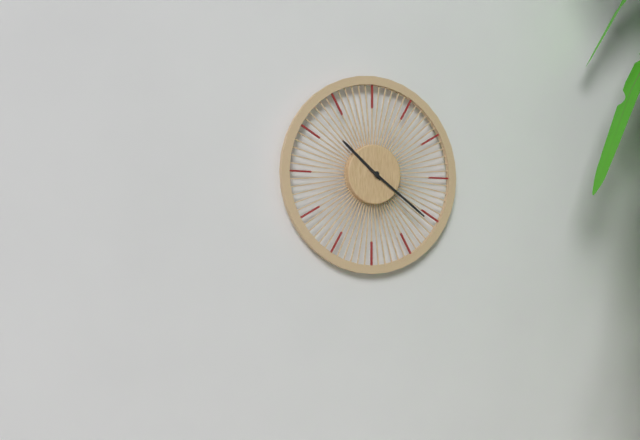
10:21
